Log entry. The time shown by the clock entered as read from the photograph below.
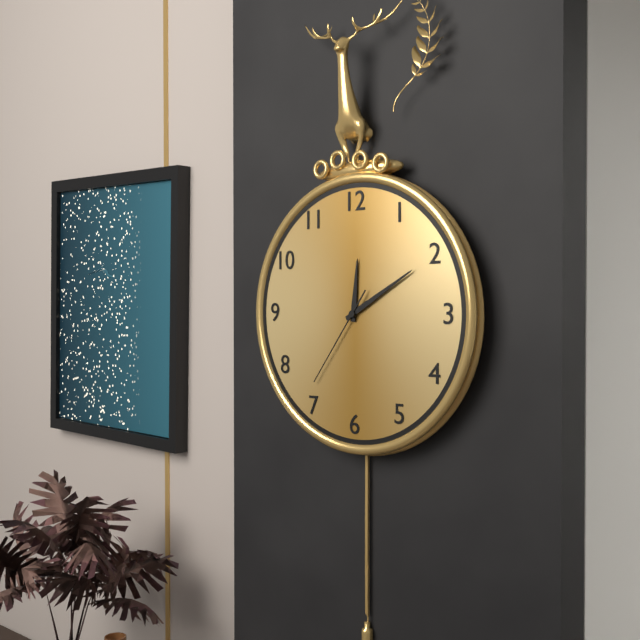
12:10:36
